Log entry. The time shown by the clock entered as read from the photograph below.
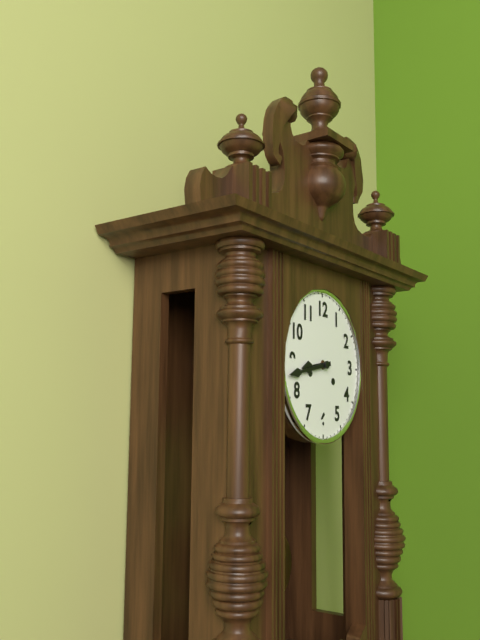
8:43
